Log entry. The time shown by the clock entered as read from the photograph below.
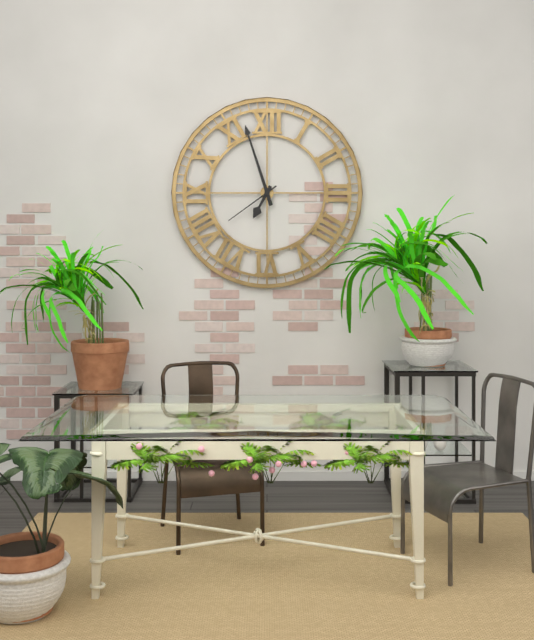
6:57:39
